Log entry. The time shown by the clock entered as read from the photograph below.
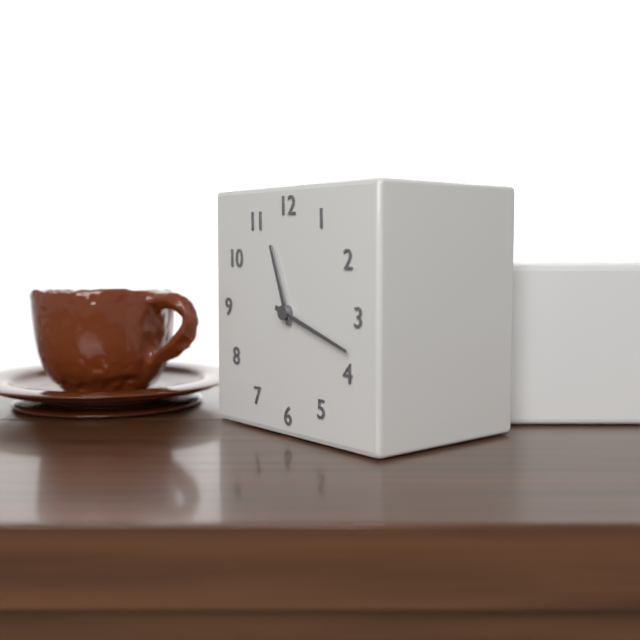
11:18
